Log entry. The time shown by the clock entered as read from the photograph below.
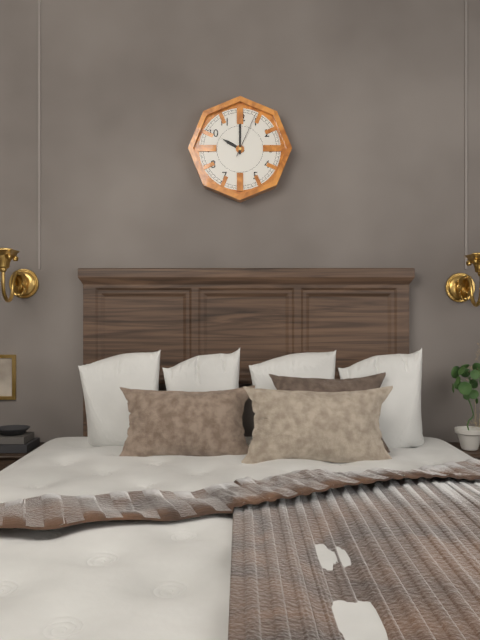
10:00
